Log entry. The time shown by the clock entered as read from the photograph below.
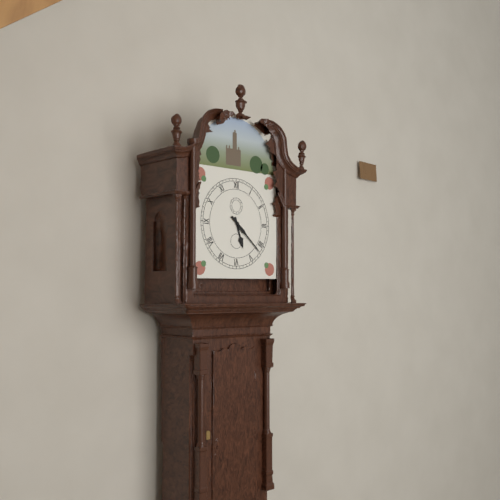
5:22
